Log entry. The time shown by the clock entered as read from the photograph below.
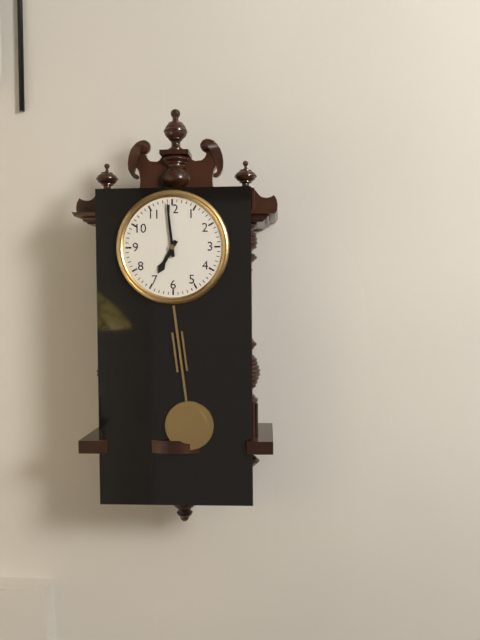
6:59
